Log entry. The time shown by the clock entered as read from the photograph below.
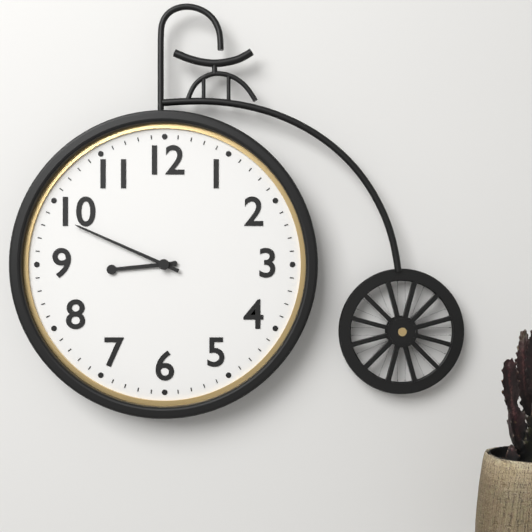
8:49
